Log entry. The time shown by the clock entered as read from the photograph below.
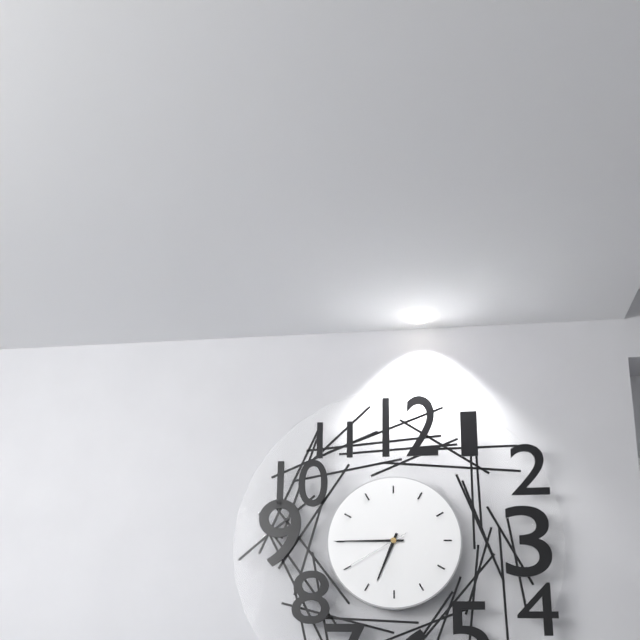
6:45:40
